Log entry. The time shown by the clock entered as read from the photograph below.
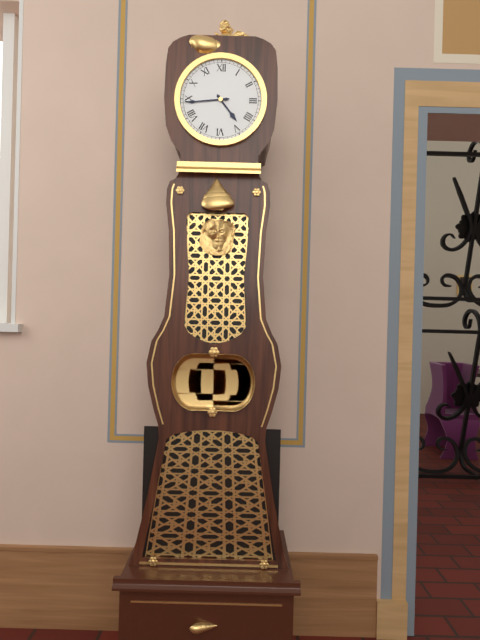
4:44
